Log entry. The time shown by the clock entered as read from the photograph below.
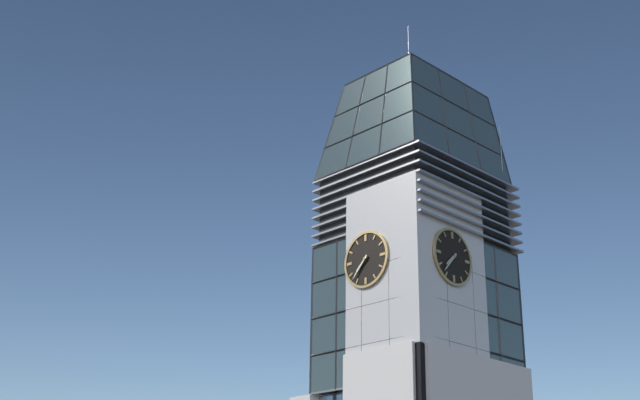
7:37
